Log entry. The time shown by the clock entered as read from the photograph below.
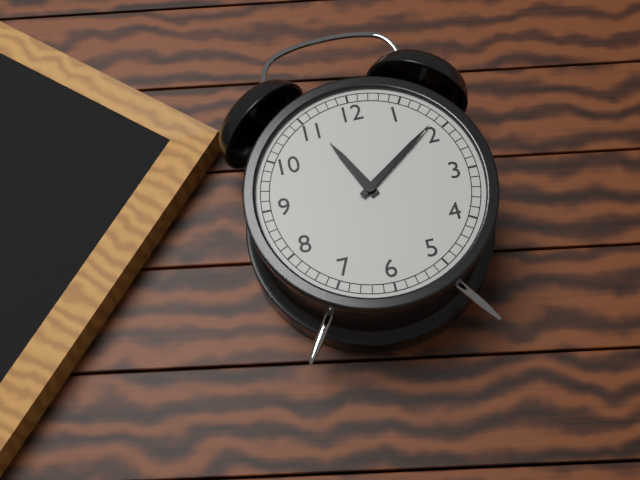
11:09
